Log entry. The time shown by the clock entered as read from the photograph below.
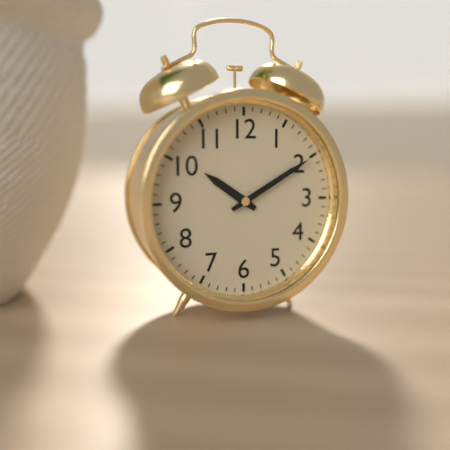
10:10
